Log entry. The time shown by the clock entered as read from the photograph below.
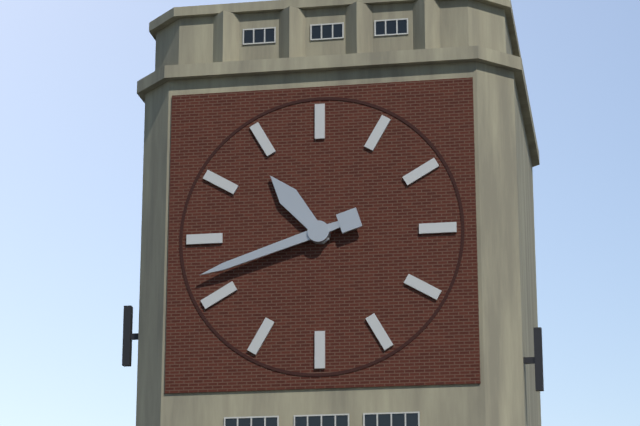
10:42
